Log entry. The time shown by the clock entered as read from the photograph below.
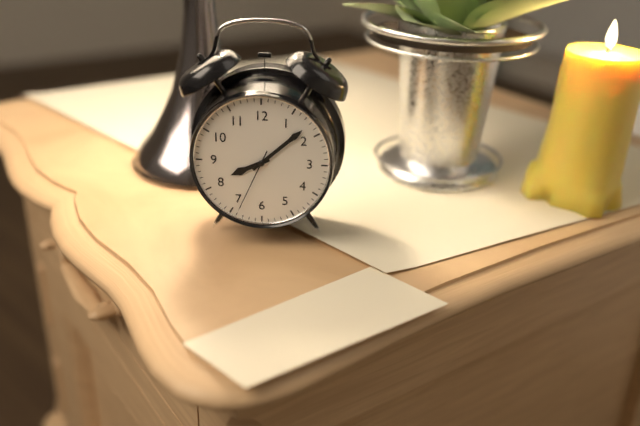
8:08:34
